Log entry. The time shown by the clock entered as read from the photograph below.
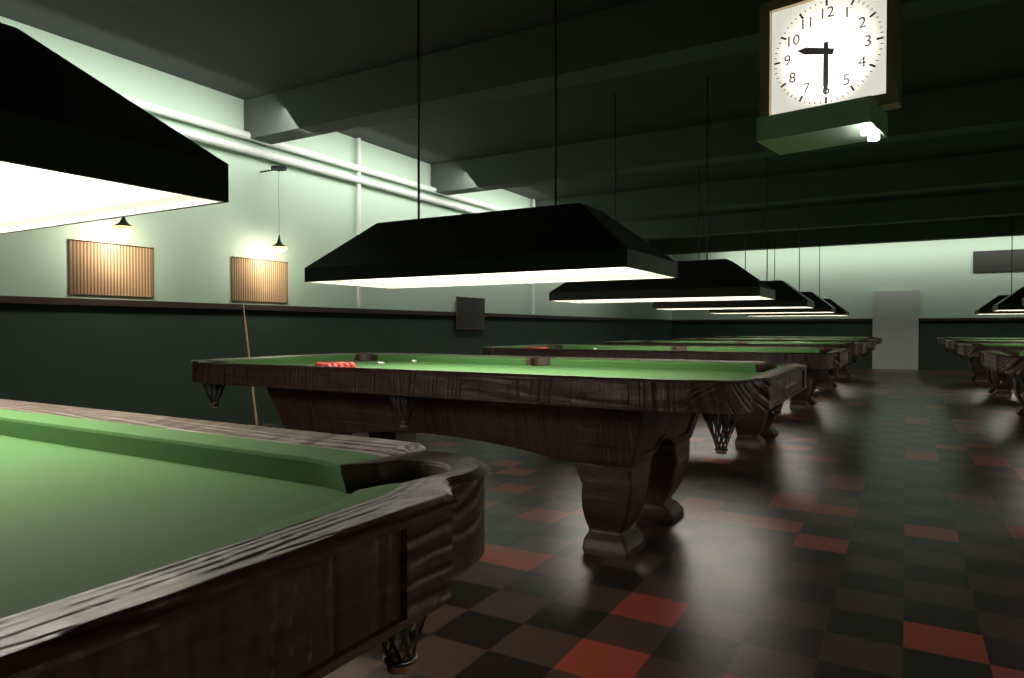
9:30
